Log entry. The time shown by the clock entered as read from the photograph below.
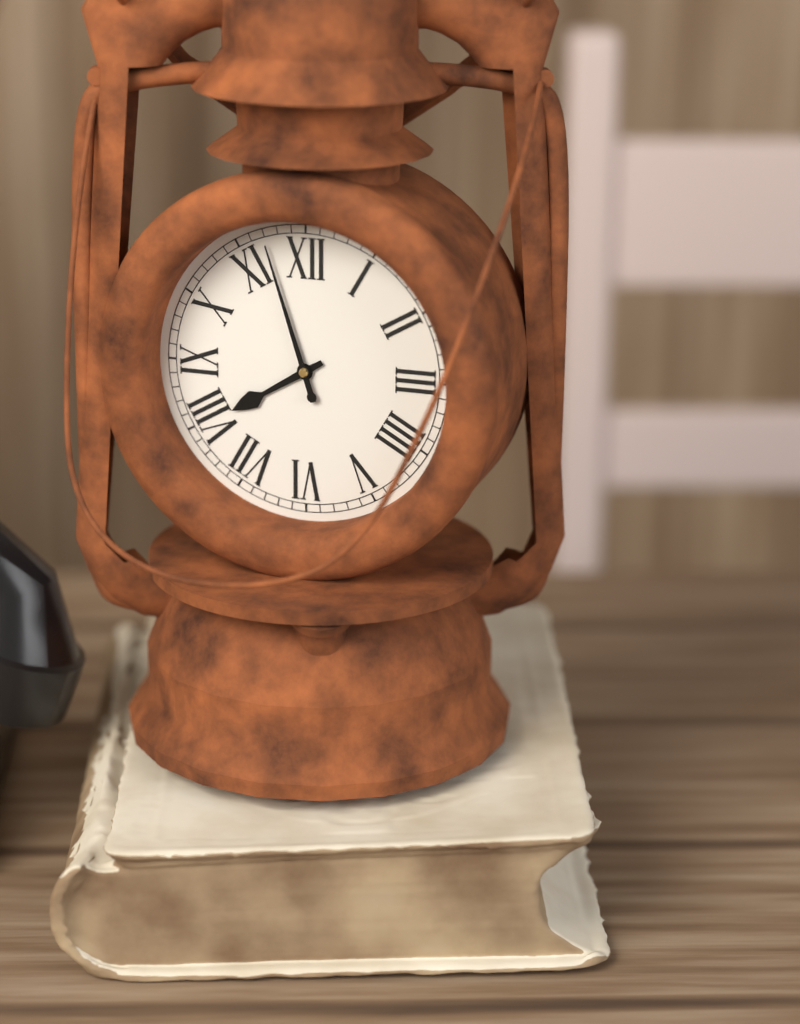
7:57
